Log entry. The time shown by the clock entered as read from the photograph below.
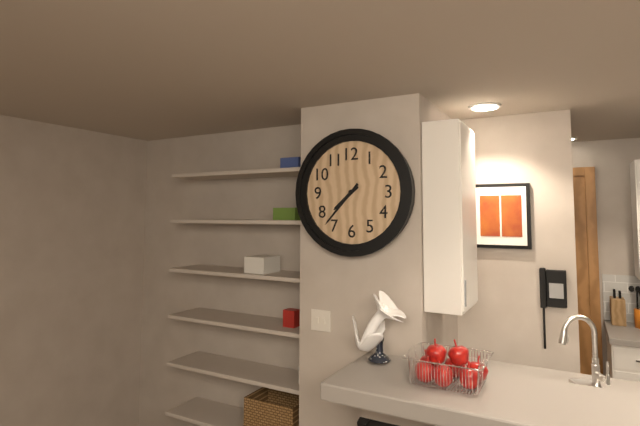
7:37
